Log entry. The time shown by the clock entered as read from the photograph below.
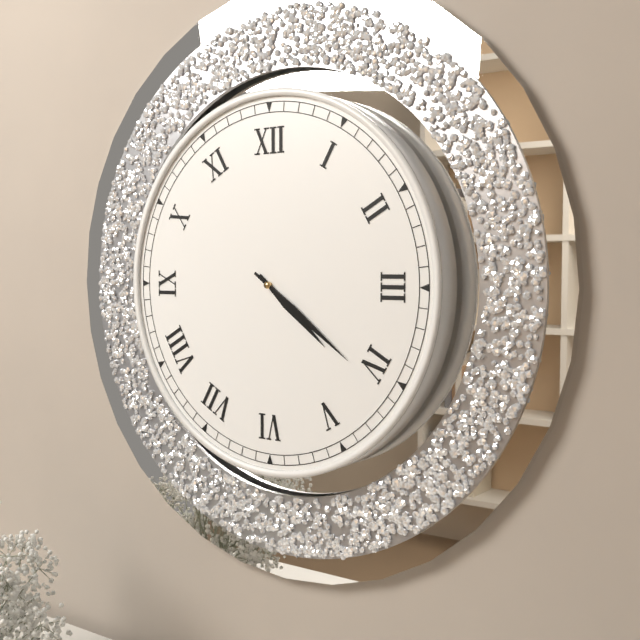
4:21
